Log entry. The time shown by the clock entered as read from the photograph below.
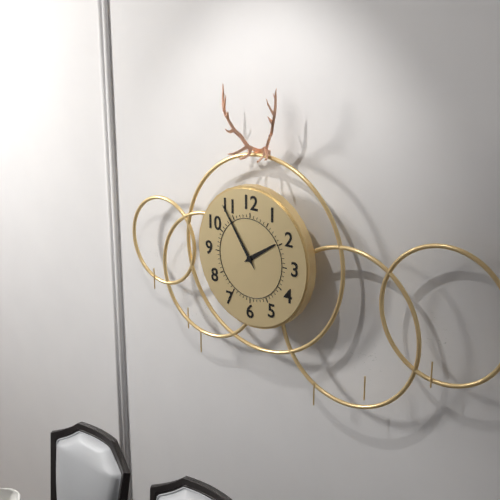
1:54
